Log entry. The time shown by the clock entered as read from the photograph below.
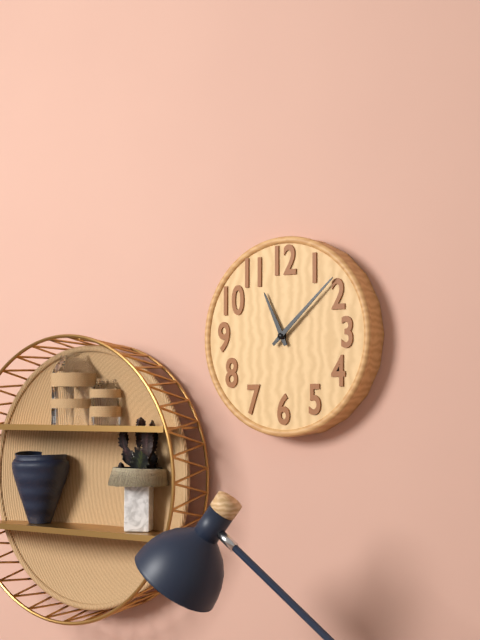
11:08
